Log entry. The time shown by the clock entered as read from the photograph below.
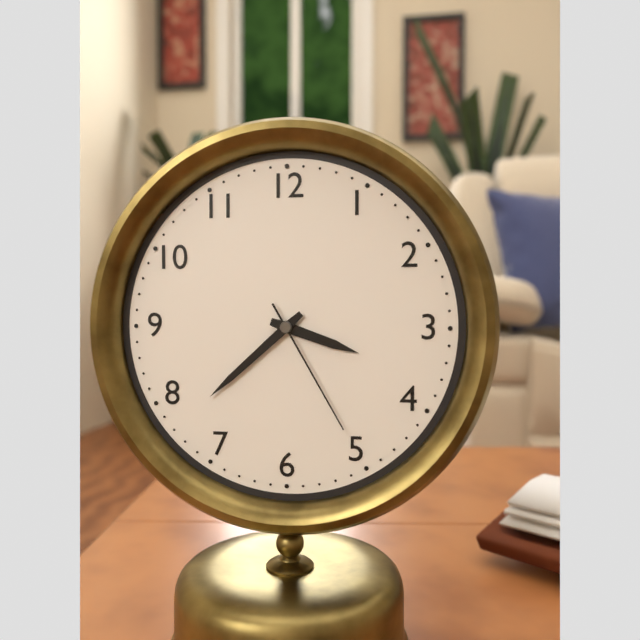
3:38:25
